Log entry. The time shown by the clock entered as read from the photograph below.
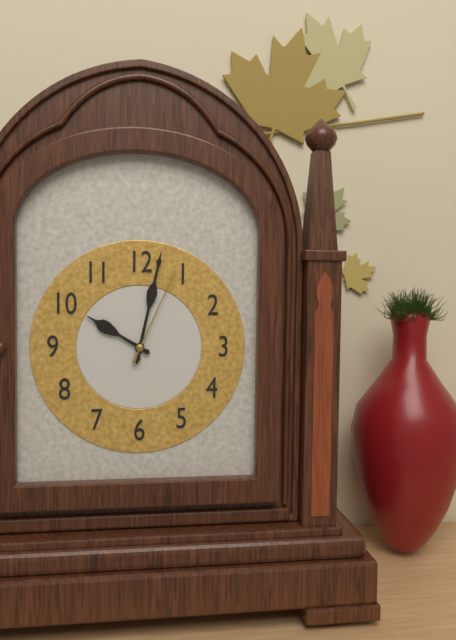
10:02:04
